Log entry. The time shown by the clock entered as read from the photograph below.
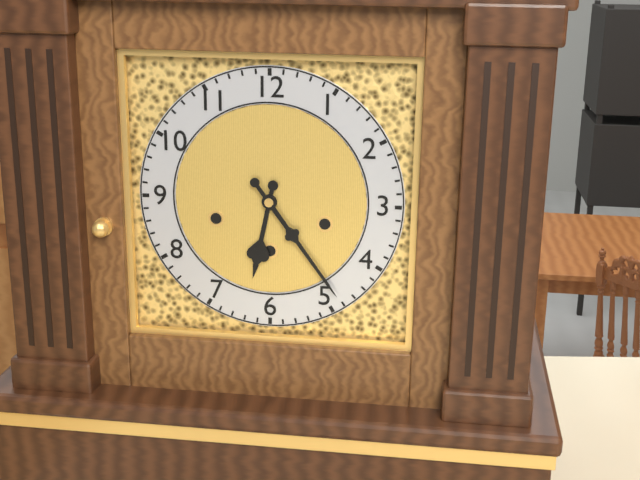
6:24
